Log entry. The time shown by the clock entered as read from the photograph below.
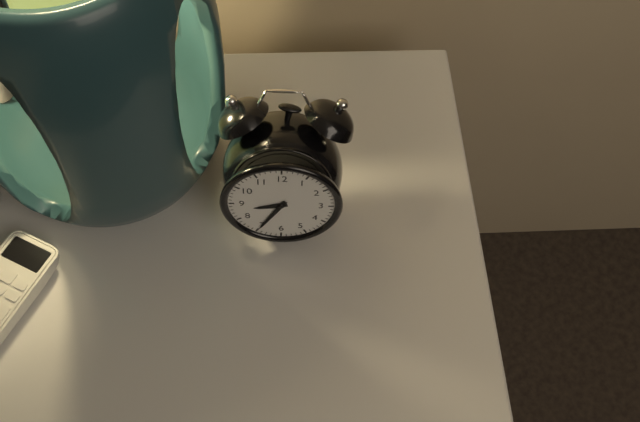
8:35
